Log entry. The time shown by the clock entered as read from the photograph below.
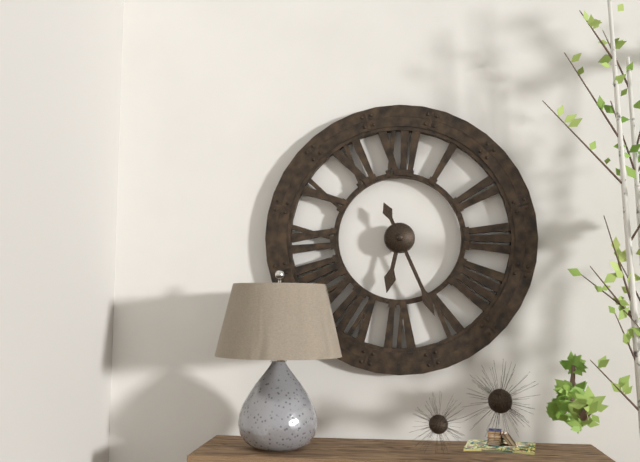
6:26
